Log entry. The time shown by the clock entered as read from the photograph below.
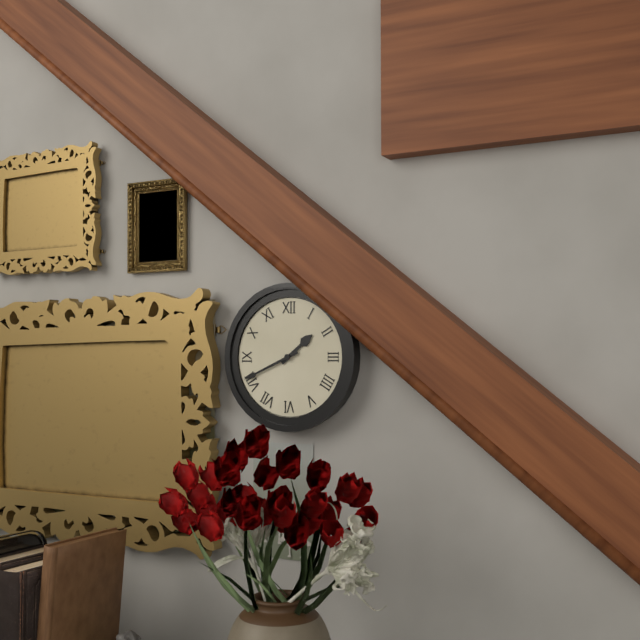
1:41
